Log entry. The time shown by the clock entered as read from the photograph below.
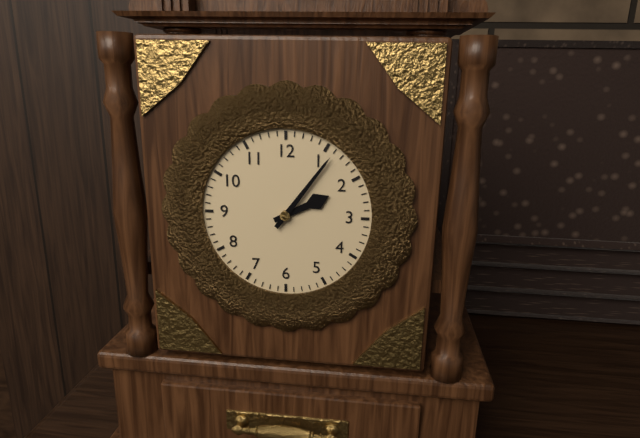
2:06
